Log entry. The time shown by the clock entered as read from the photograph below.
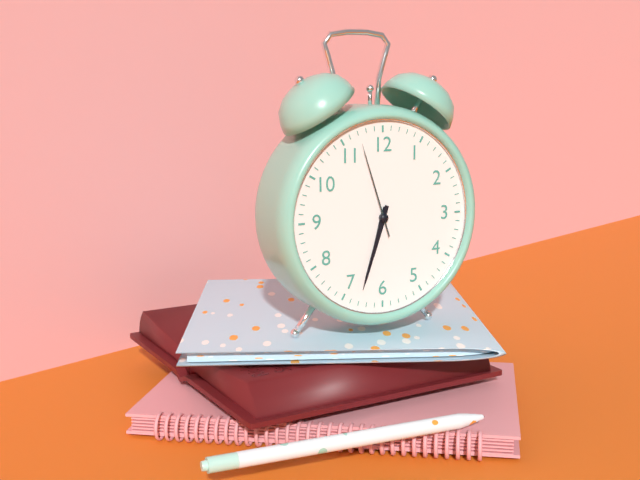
6:33:57
